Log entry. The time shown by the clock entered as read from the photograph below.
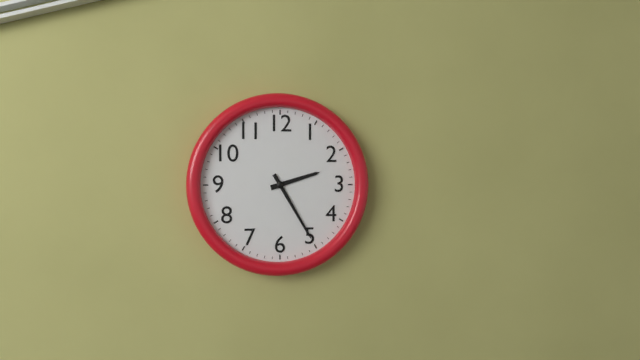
2:25
